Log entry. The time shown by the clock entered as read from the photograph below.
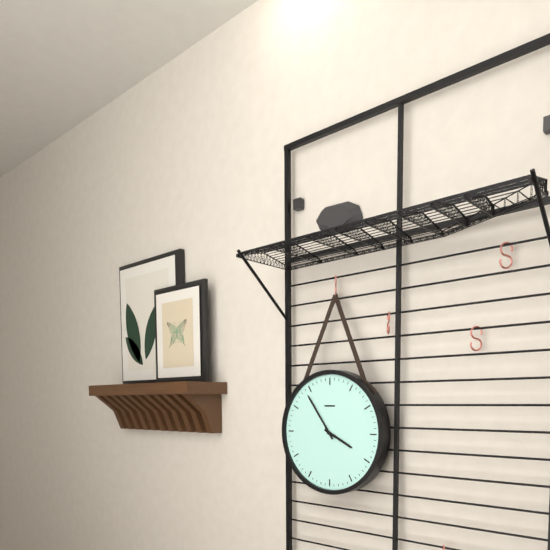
3:54
